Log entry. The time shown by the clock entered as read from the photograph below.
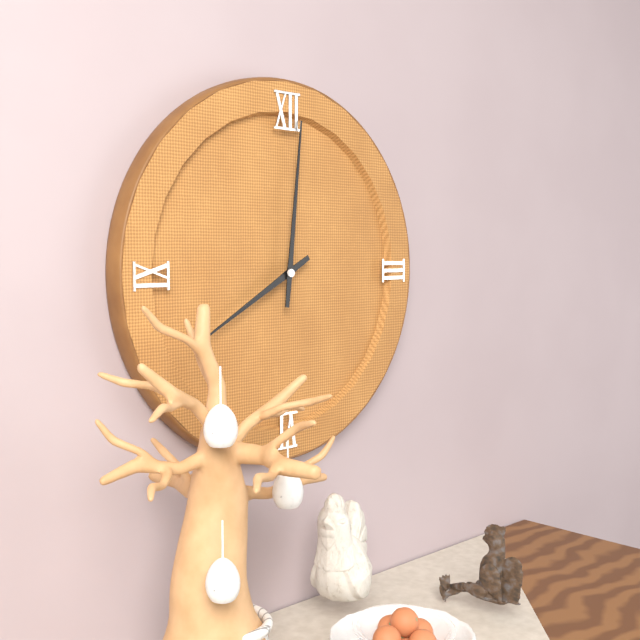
8:01
